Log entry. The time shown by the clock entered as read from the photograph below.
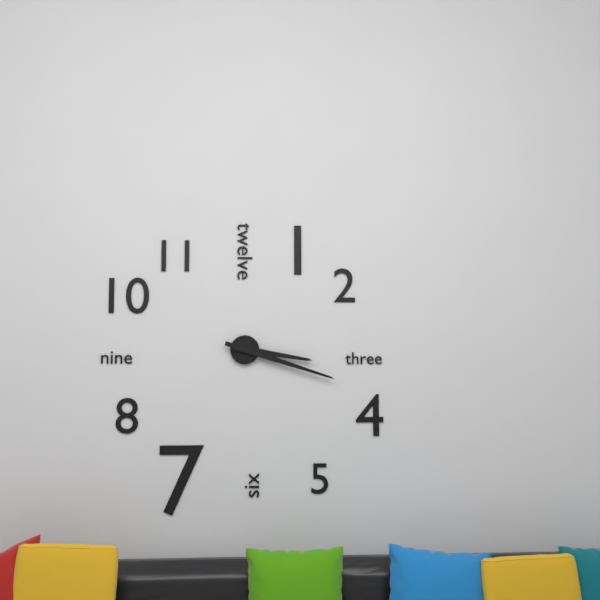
3:18
